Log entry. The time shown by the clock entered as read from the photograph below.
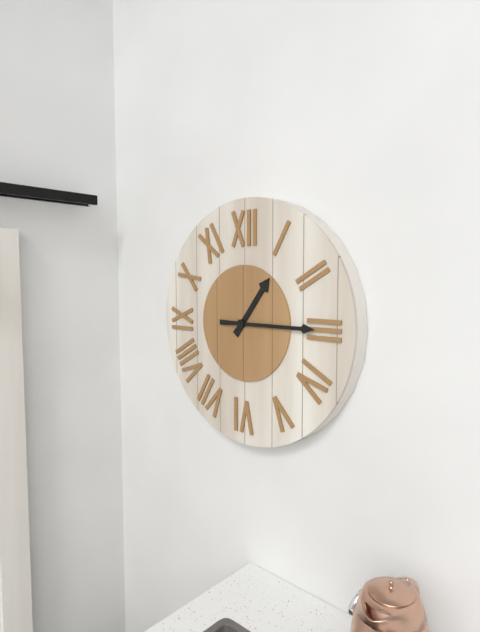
1:15
